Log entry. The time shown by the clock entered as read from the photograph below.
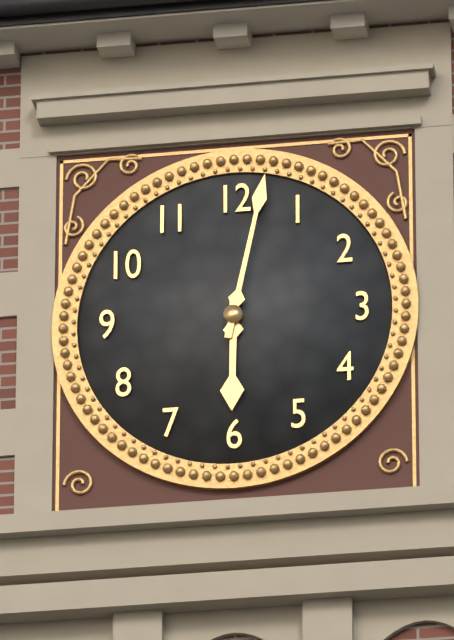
6:02
